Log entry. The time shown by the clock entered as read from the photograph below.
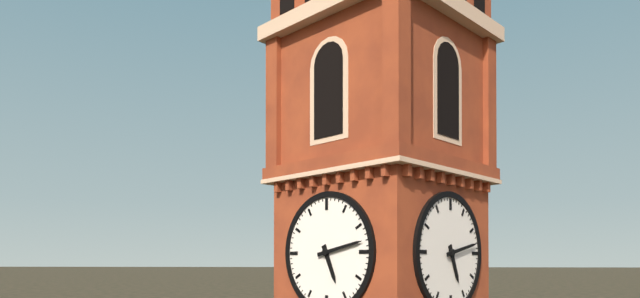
5:13
